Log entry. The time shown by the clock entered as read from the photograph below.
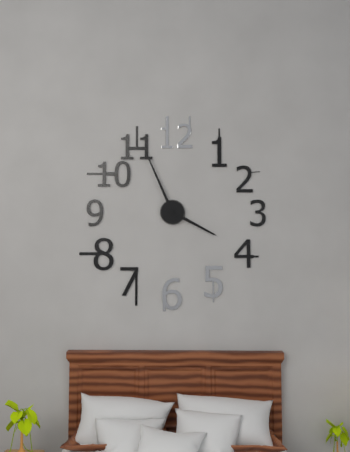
3:56
